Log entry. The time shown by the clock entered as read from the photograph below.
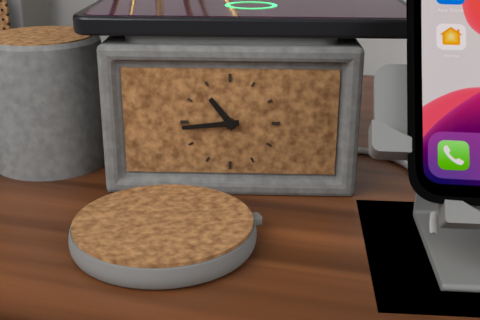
10:44
